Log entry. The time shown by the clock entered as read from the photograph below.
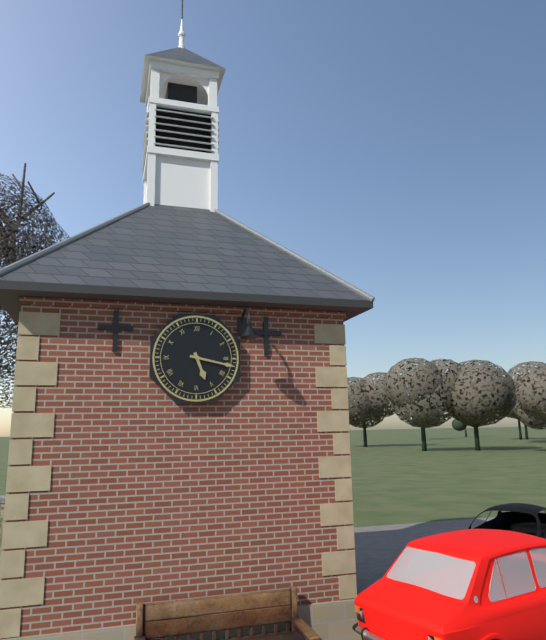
5:17
